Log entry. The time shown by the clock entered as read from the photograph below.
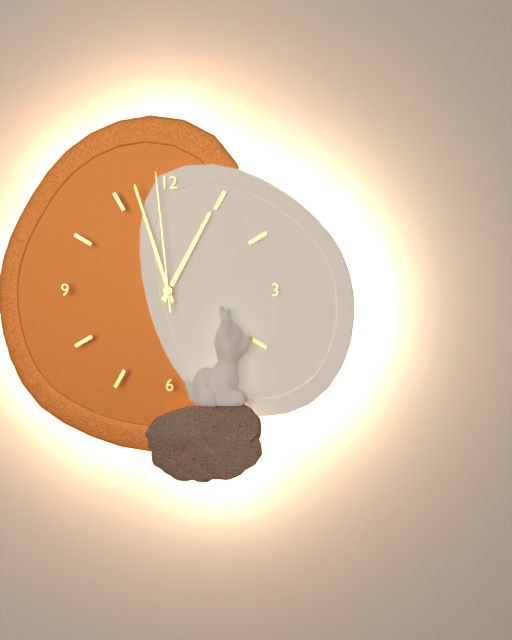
12:57:59
